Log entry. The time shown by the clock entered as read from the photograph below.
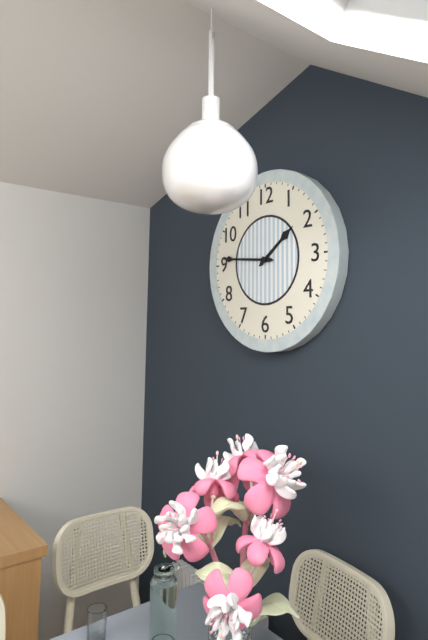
1:46
